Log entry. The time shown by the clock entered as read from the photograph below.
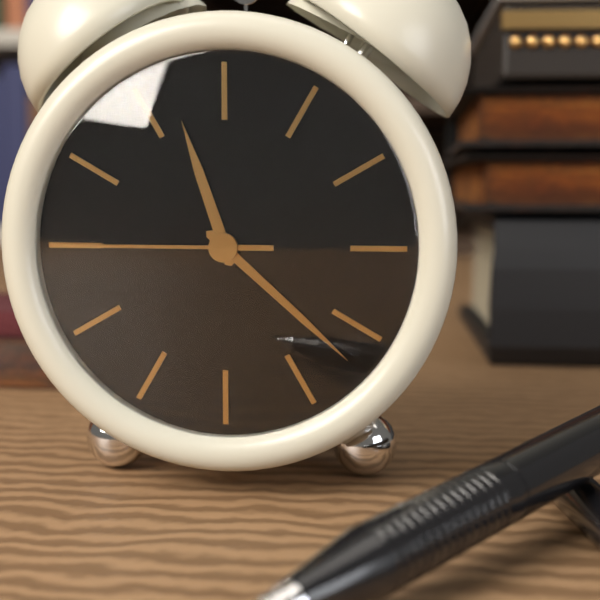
11:22:45
